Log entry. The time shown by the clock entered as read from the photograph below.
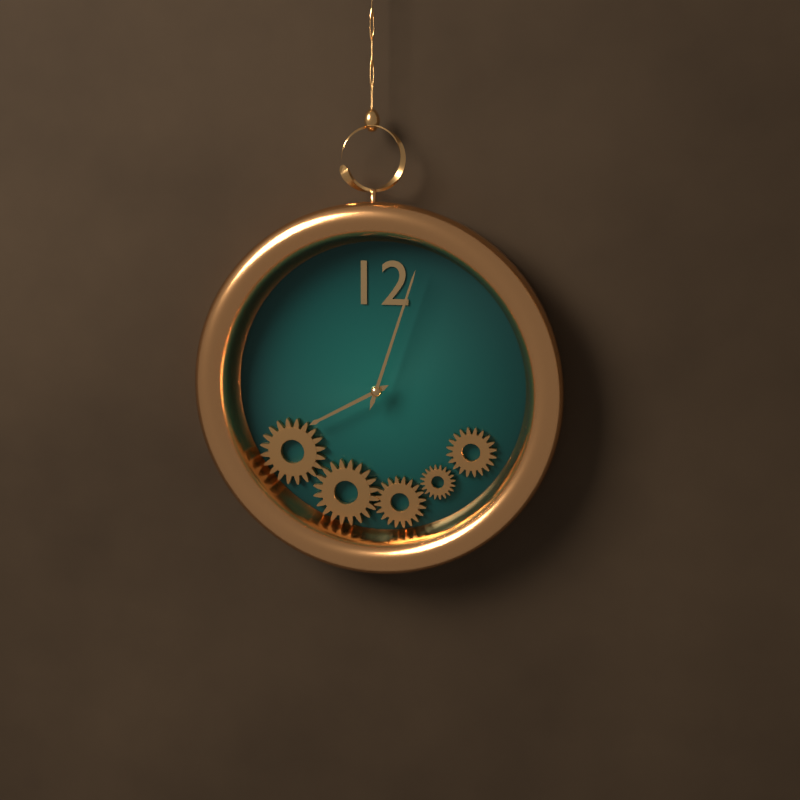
8:03
